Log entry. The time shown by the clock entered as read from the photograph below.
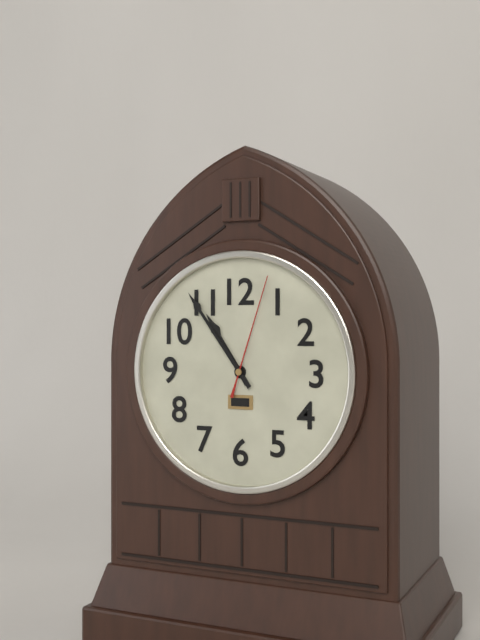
10:54:03
